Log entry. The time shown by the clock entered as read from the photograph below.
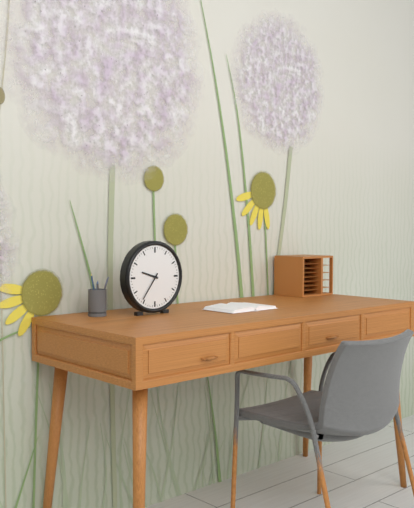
9:36
